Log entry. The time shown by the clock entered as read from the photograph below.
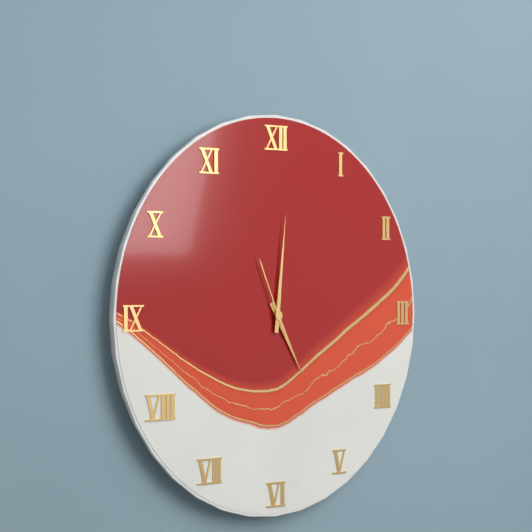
5:01:56
